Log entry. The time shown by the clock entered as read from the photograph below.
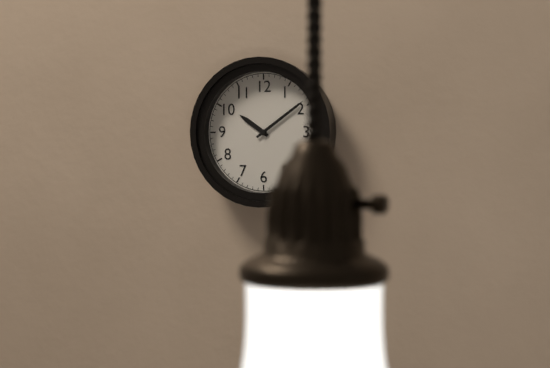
10:09
